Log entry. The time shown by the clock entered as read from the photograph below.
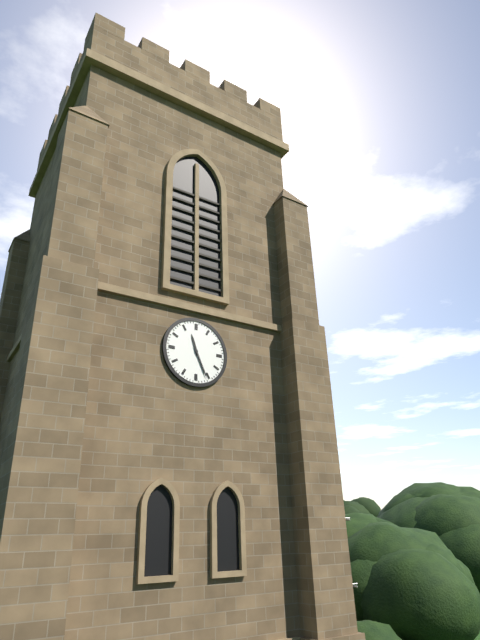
11:26
